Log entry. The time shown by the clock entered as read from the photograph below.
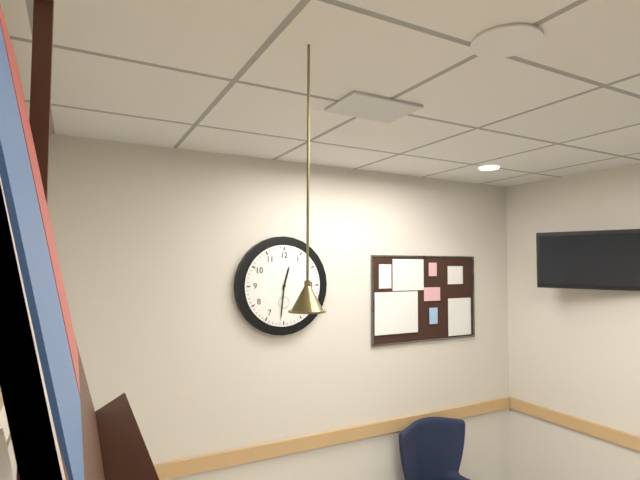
12:31
